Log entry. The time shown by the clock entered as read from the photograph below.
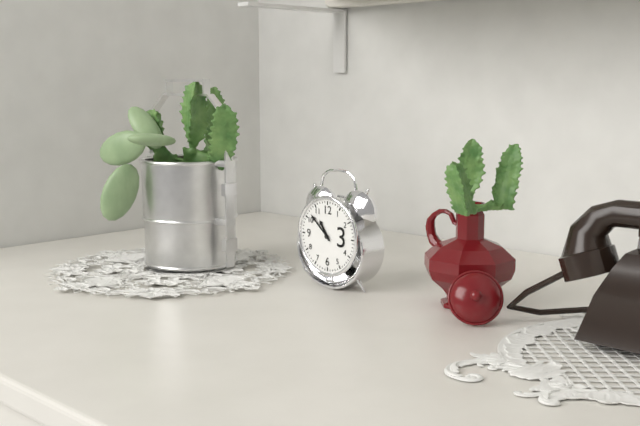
10:52
